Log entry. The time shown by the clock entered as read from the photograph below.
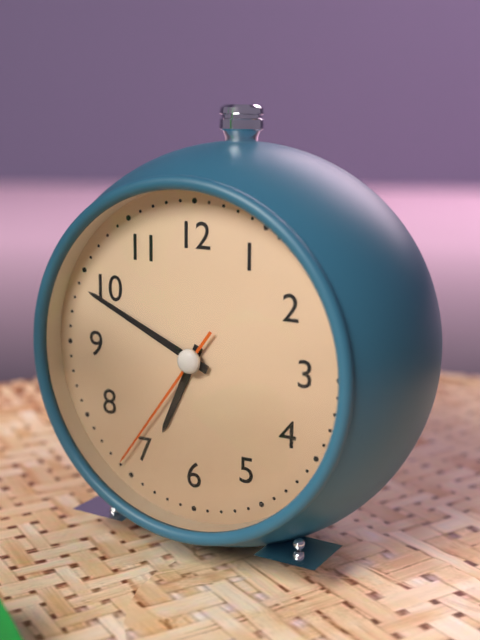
6:49:36
